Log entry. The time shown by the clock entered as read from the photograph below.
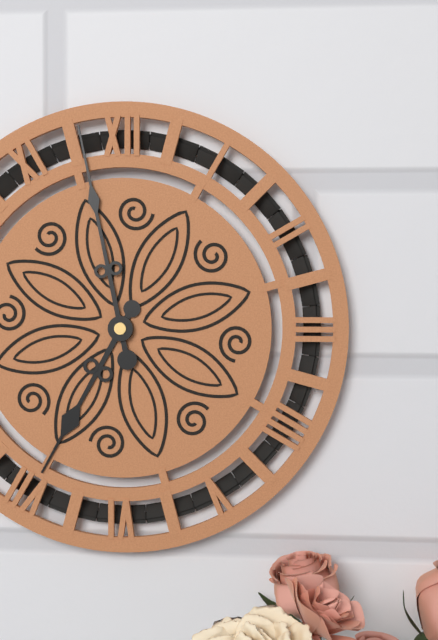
6:58
